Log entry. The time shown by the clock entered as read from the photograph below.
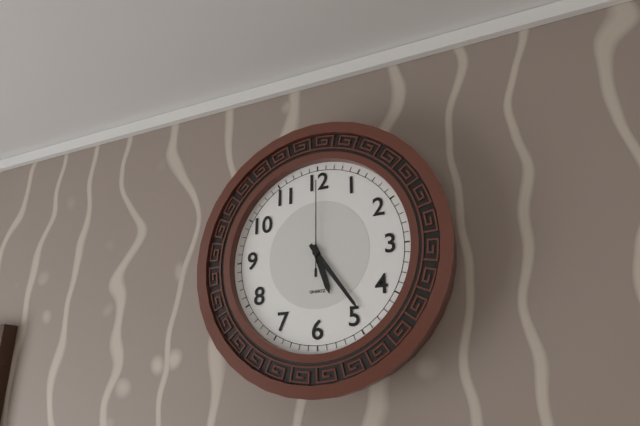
5:24:00
